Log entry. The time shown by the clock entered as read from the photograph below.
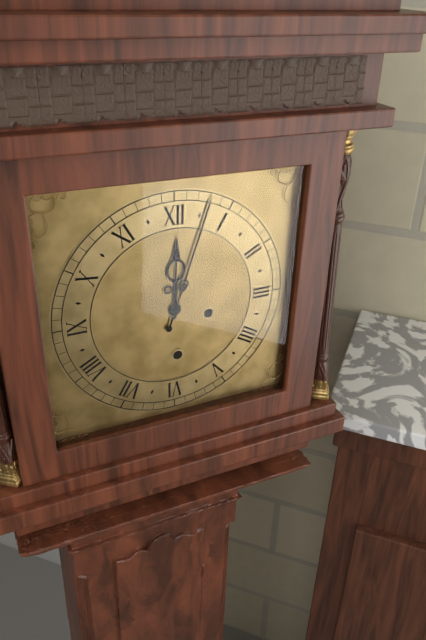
12:03
